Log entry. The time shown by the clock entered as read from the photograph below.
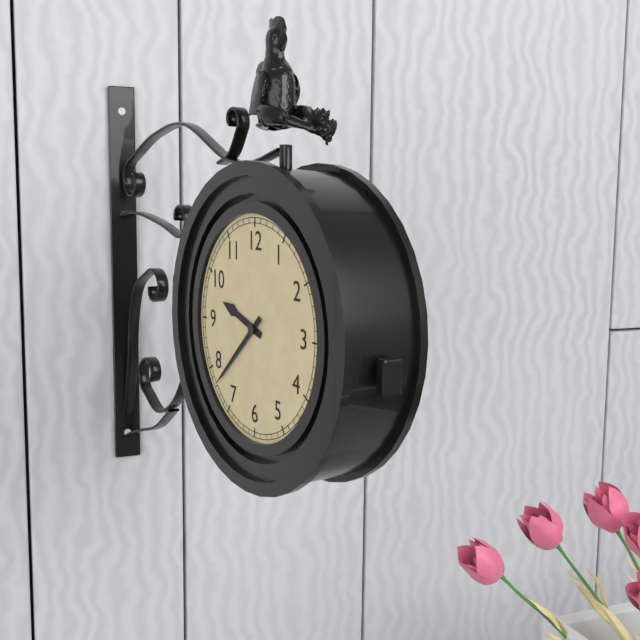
9:38
